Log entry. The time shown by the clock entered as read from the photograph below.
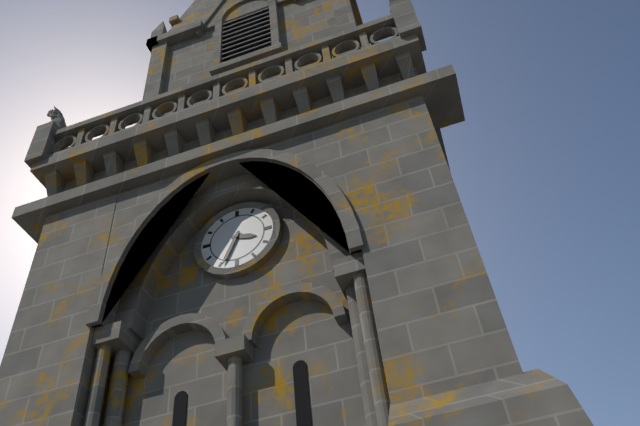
3:34
